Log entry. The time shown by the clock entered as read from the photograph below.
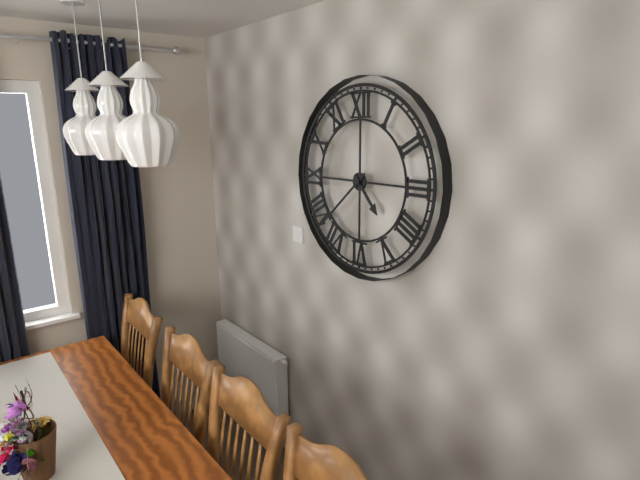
4:38
